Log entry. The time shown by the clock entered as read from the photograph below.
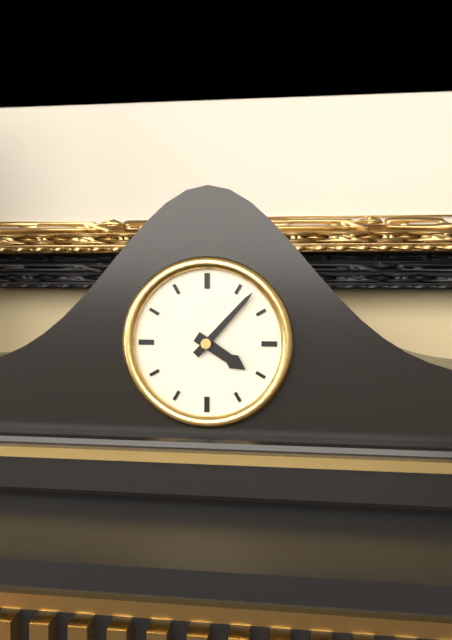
4:07
